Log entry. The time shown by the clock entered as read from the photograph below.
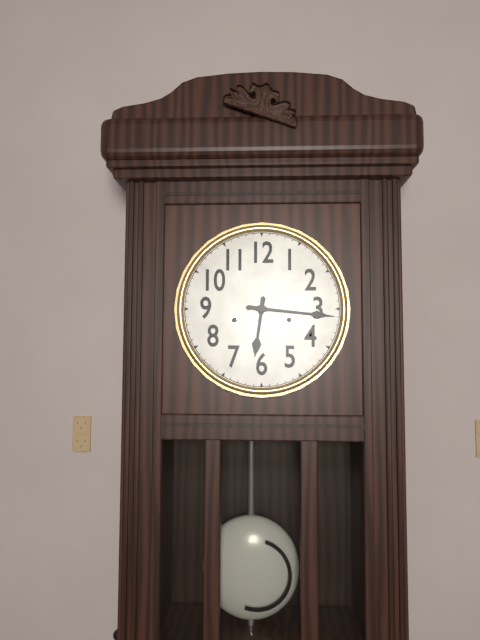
6:16
